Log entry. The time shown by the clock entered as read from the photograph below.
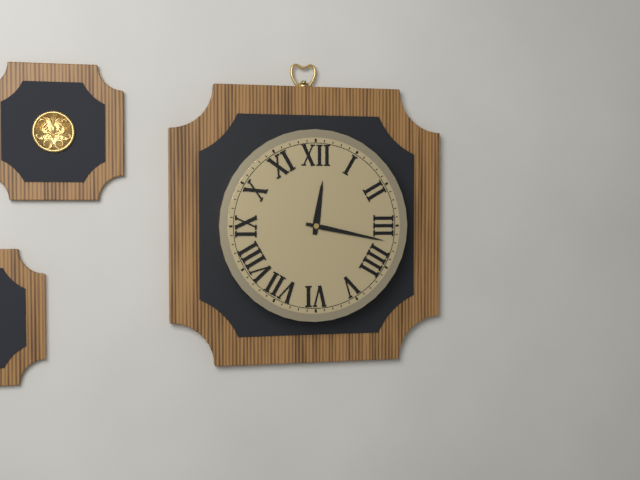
12:17
